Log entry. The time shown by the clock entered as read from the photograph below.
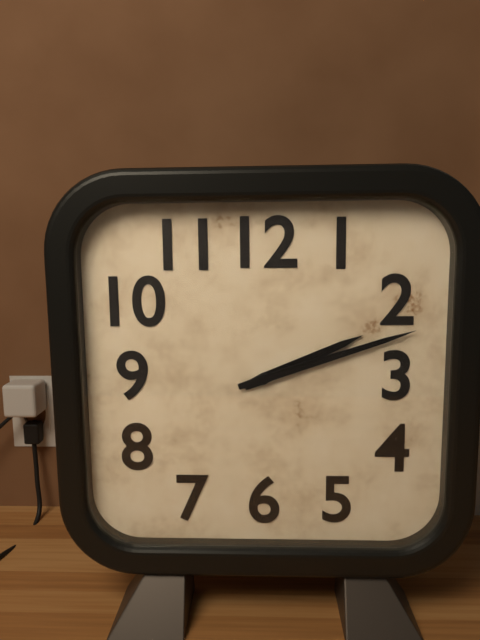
2:12
